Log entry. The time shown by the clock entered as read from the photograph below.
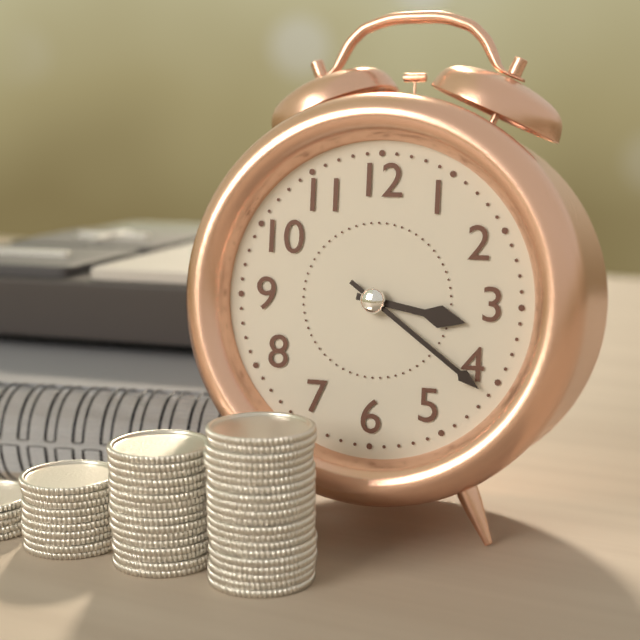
3:21
